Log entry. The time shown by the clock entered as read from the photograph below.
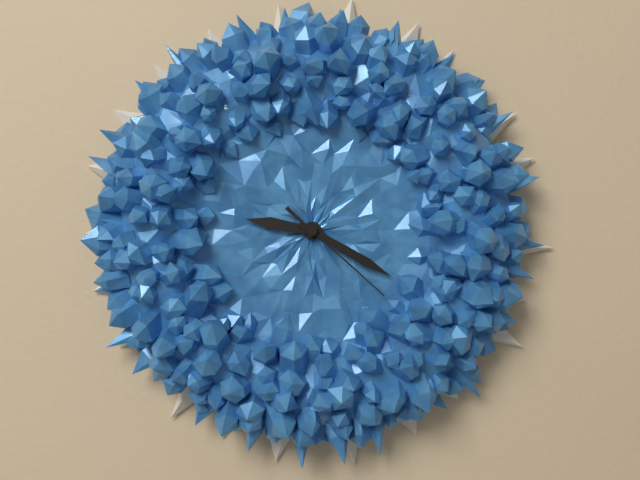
9:20:22
